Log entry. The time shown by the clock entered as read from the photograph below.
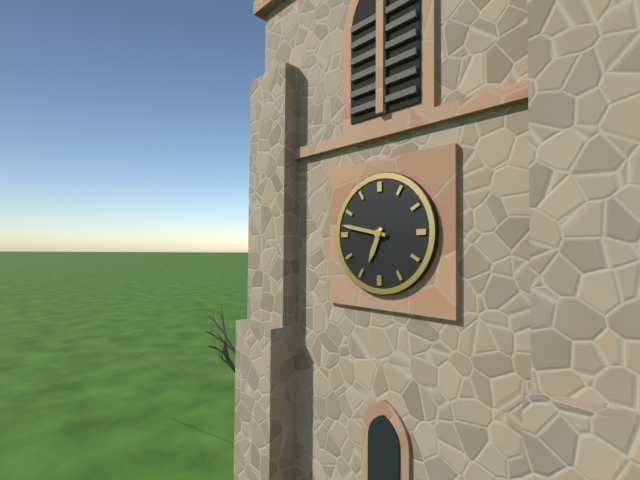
6:47
